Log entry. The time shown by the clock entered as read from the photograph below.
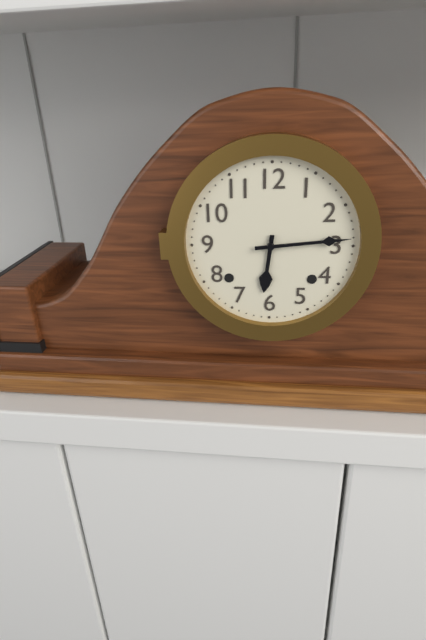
6:14
